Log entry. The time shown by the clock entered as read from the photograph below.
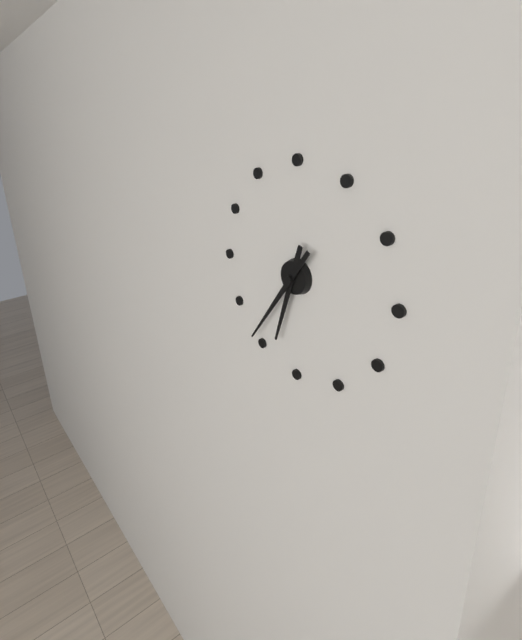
6:36
